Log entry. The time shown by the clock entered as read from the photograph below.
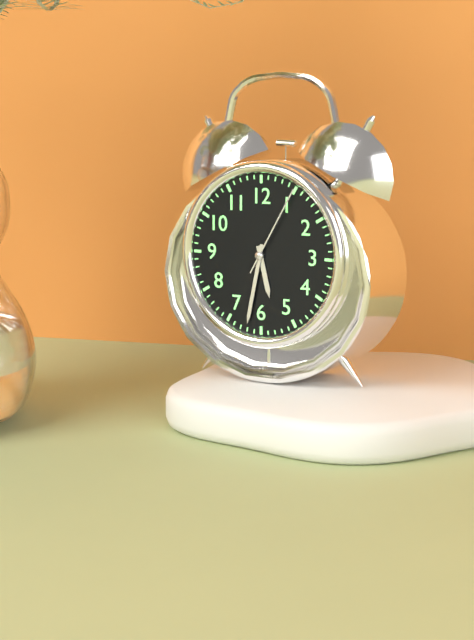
5:32:05
